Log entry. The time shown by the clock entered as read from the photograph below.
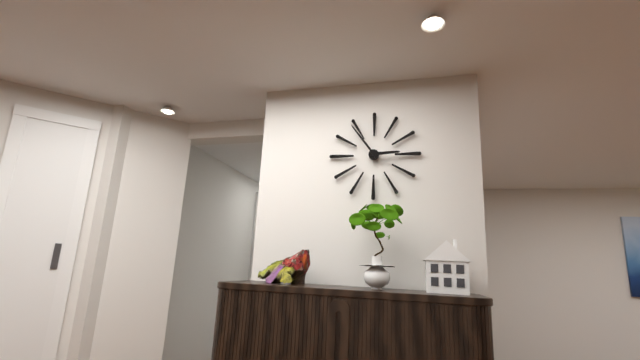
2:54
